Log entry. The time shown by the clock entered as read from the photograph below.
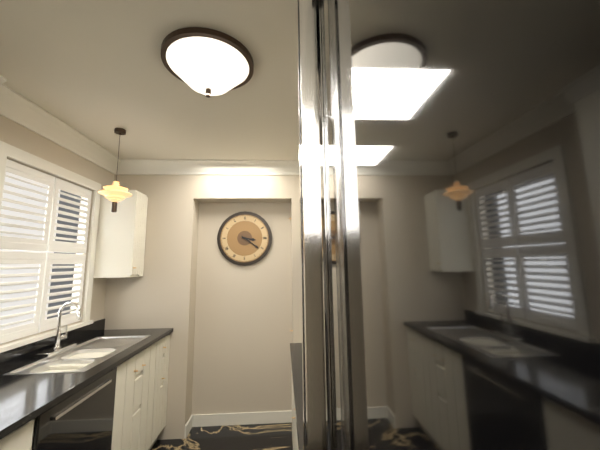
3:21
